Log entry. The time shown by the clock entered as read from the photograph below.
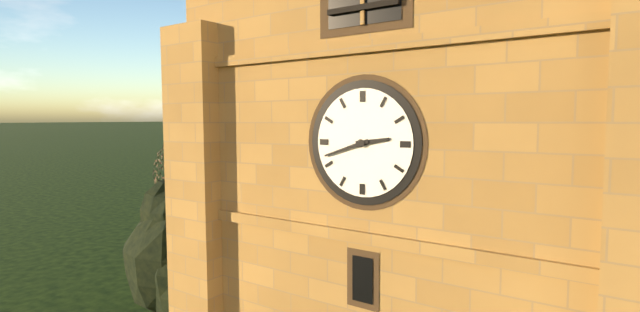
2:42
